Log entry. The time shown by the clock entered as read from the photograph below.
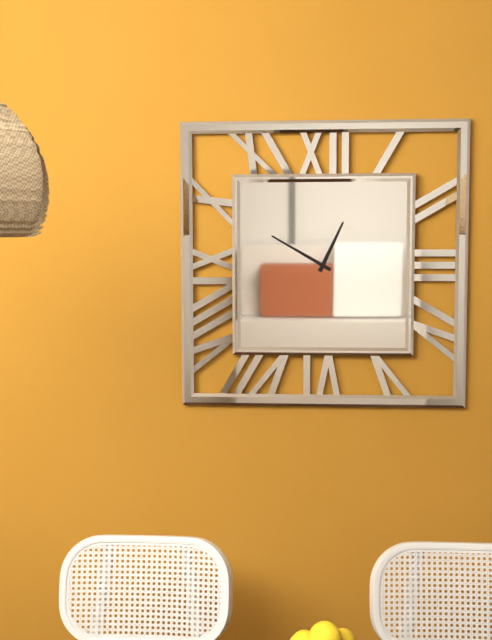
12:50
